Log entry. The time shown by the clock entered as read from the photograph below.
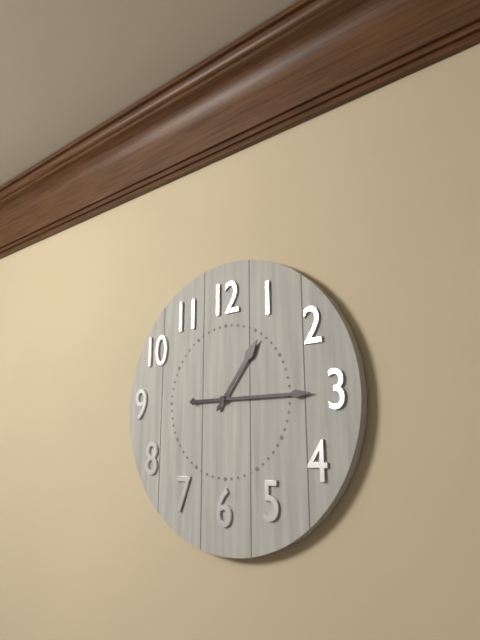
1:15
